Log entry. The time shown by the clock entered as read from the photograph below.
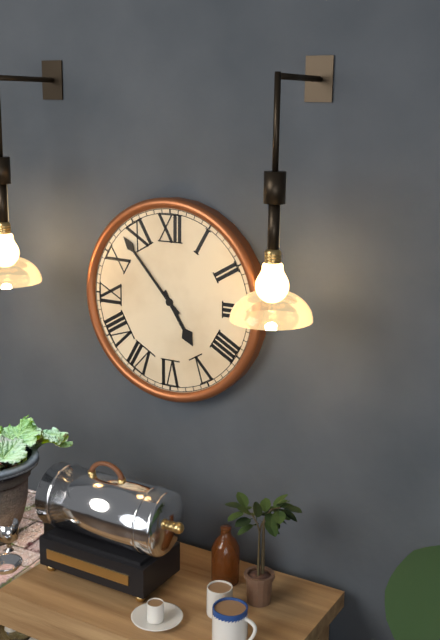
4:53
